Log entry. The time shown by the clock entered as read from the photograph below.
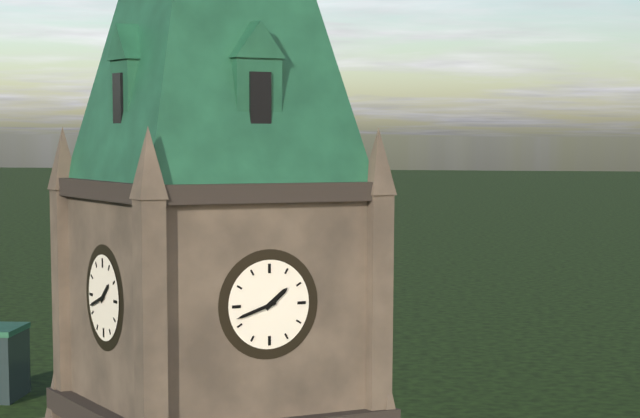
1:42
